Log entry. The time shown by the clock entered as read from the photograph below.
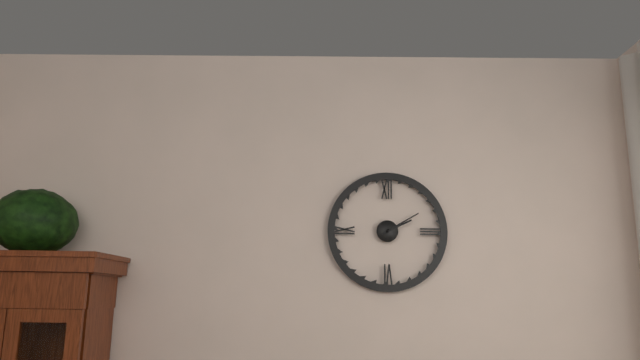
2:10
